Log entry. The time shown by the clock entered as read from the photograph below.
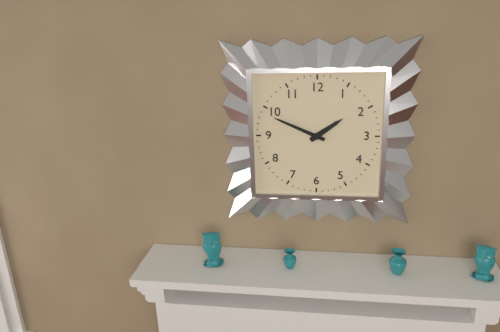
1:49
